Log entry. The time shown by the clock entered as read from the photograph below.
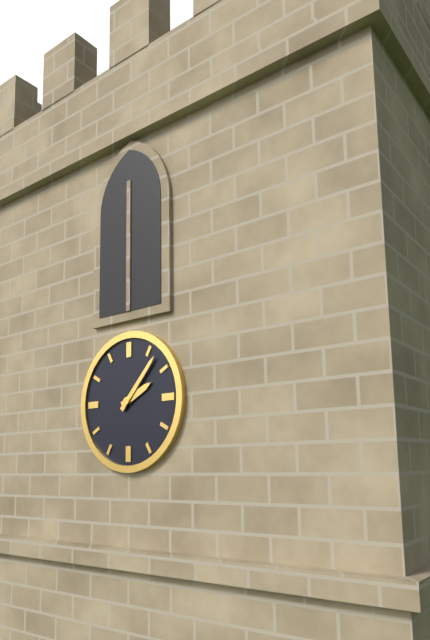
2:07
